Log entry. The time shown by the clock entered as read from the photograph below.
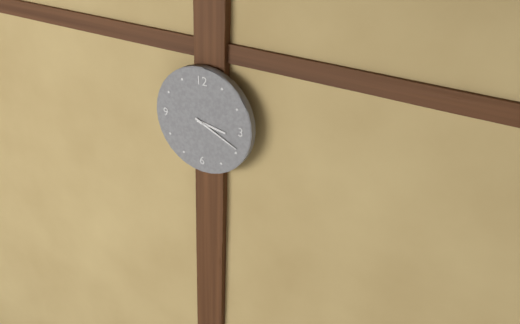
3:19
